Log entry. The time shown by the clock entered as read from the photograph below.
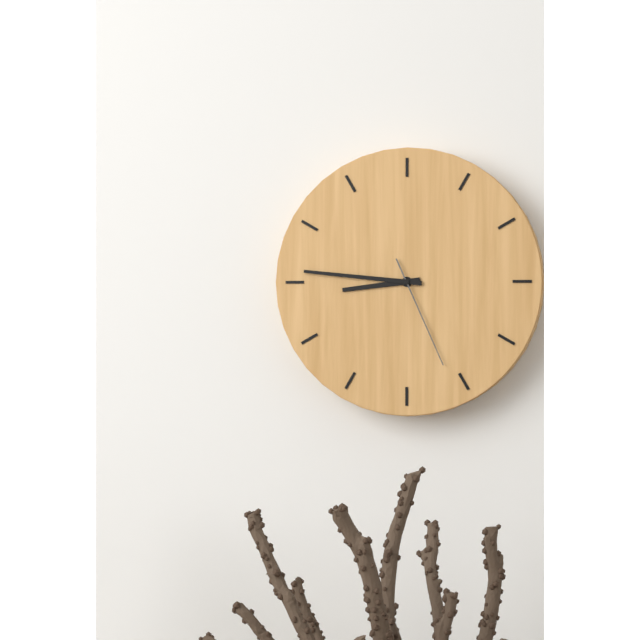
8:46:26
